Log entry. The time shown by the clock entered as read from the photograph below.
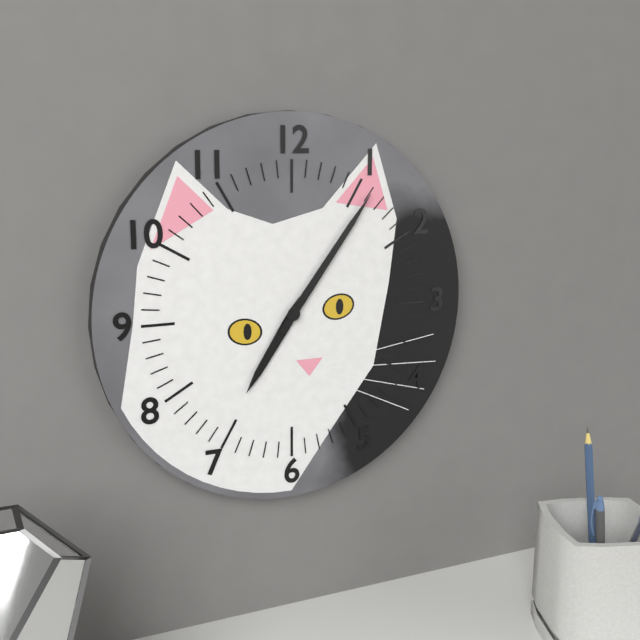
7:06
